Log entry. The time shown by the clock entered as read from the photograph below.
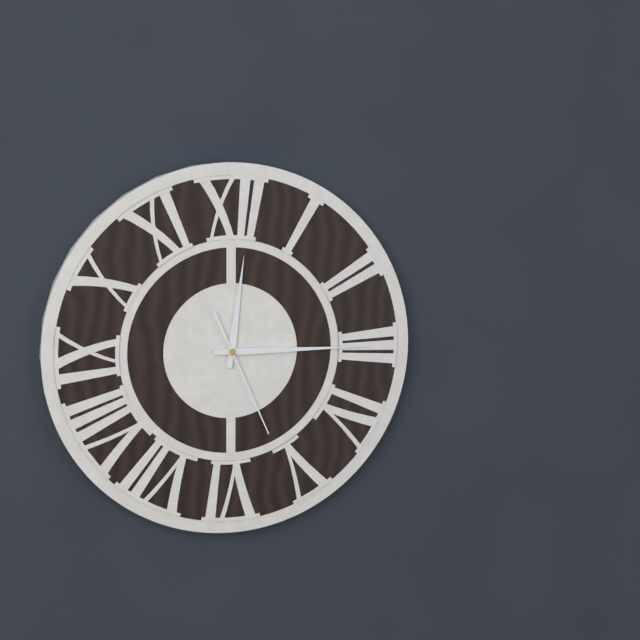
12:15:26
